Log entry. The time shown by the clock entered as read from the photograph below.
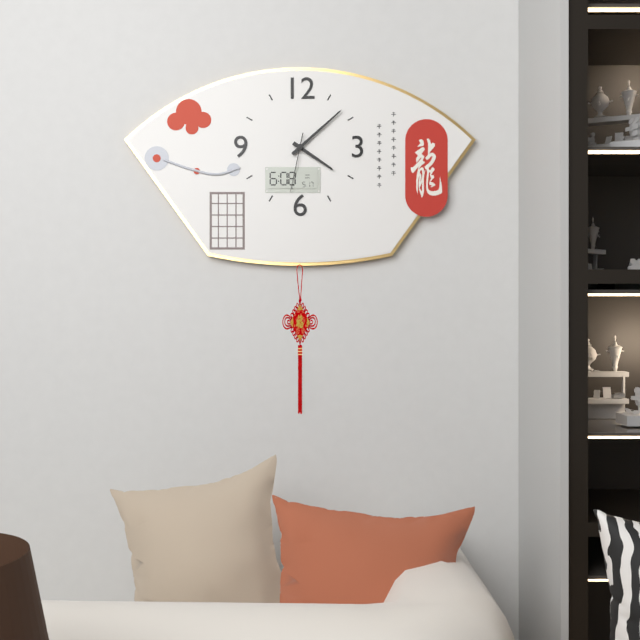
4:08:32
